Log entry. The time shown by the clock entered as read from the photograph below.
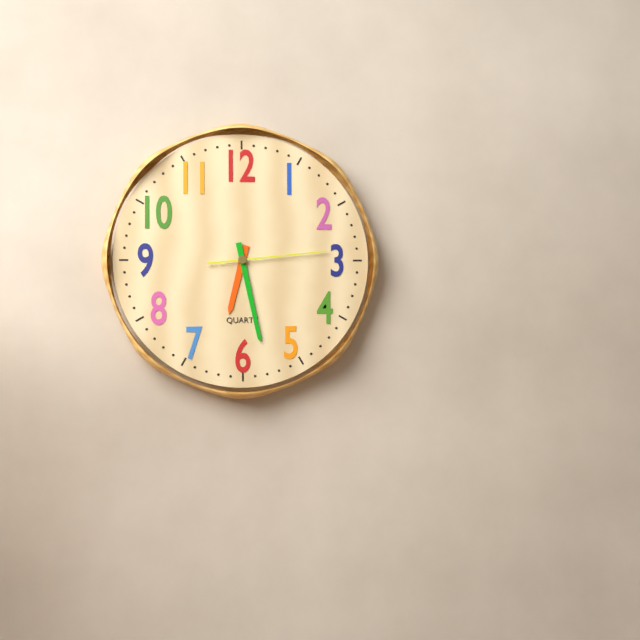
6:28:14
